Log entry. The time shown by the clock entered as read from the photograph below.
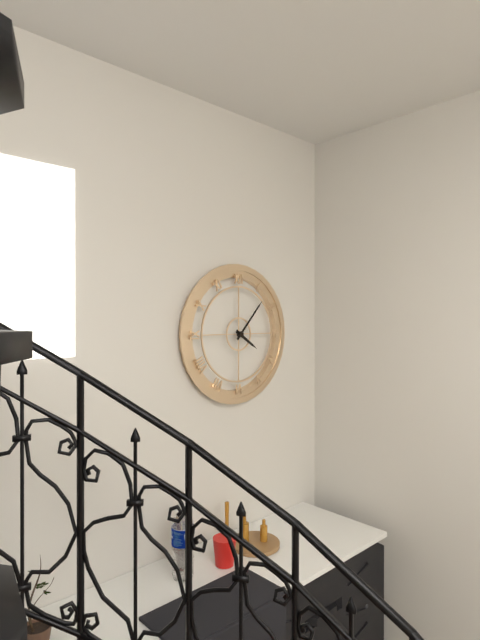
4:07
